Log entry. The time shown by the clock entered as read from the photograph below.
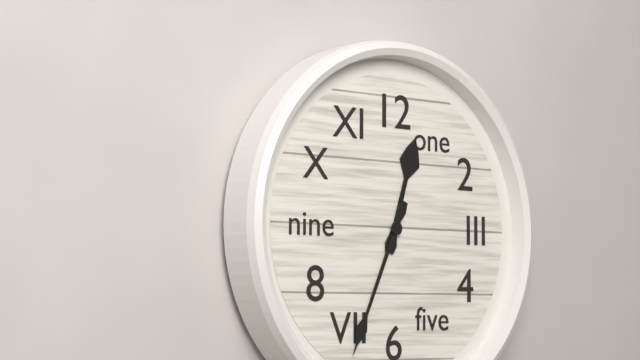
12:34
